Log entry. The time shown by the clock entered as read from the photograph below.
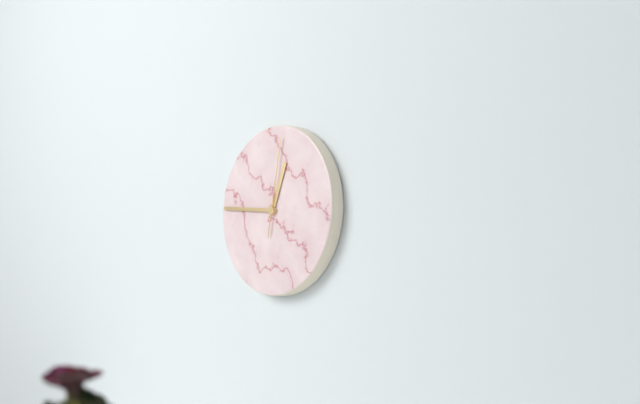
12:46:02
